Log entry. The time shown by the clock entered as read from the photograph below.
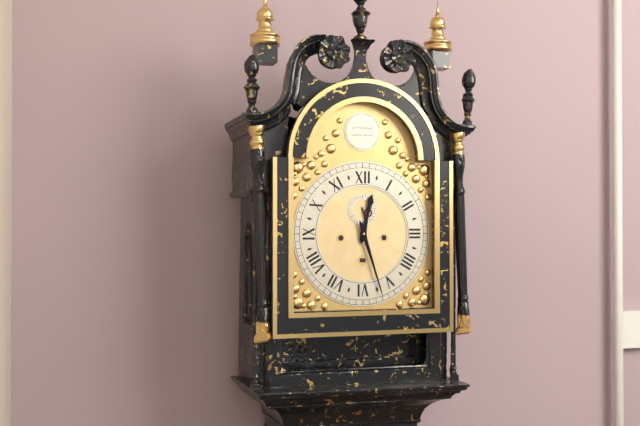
12:27
